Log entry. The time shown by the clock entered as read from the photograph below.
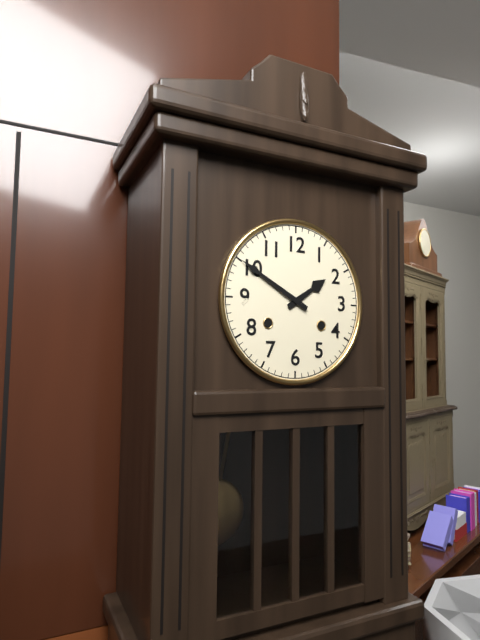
1:50
